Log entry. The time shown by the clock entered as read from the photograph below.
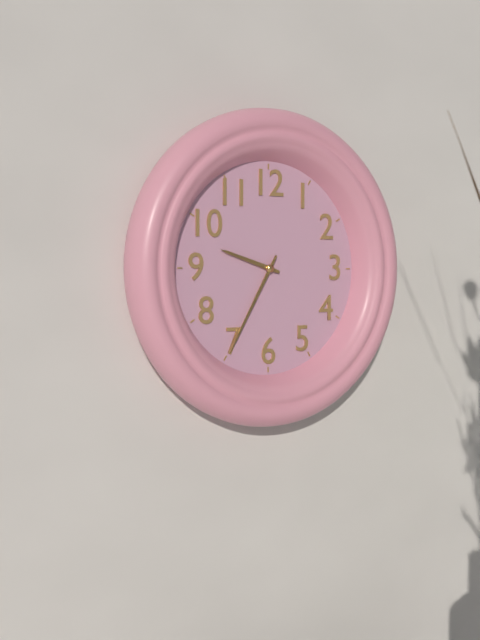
9:35
